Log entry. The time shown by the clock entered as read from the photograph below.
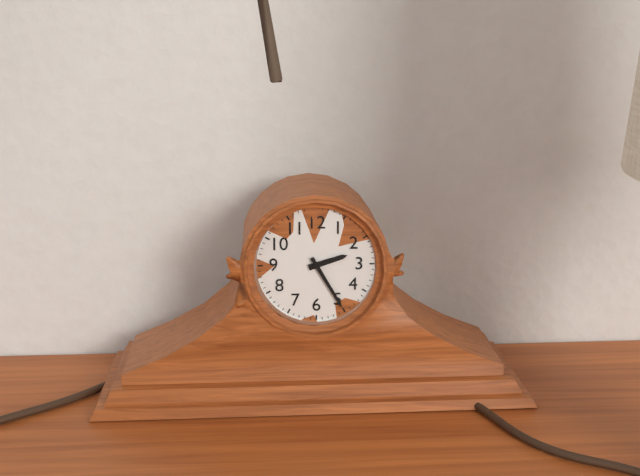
2:25
